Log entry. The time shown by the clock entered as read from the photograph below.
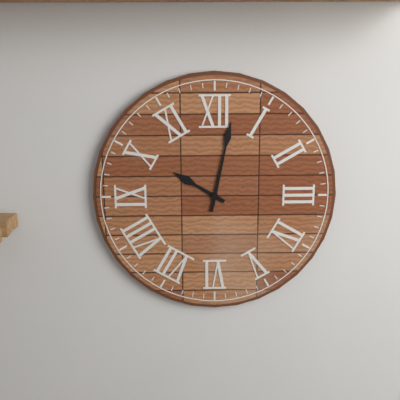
10:02
